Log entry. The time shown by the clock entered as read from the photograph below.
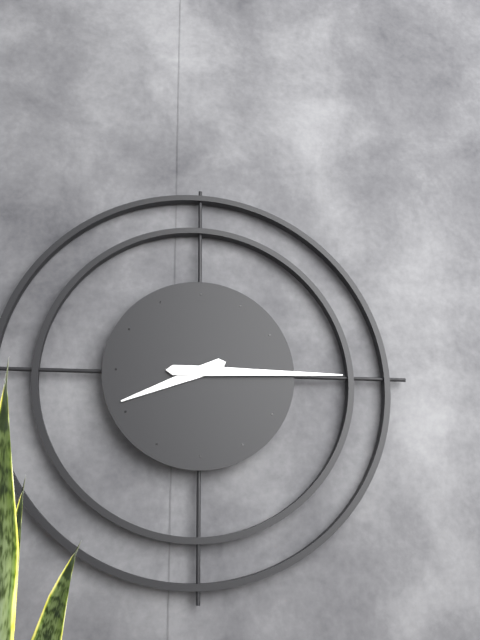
8:15
